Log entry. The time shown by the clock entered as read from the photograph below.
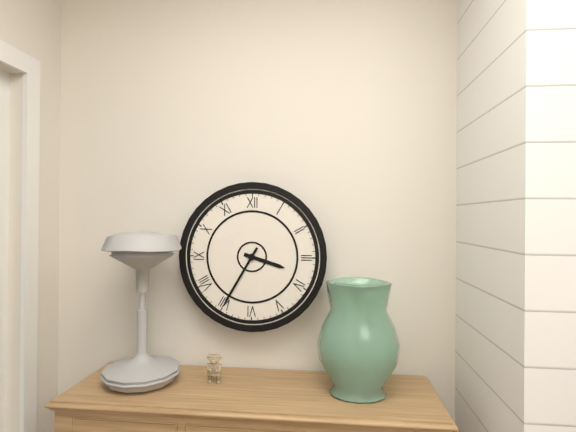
3:35
